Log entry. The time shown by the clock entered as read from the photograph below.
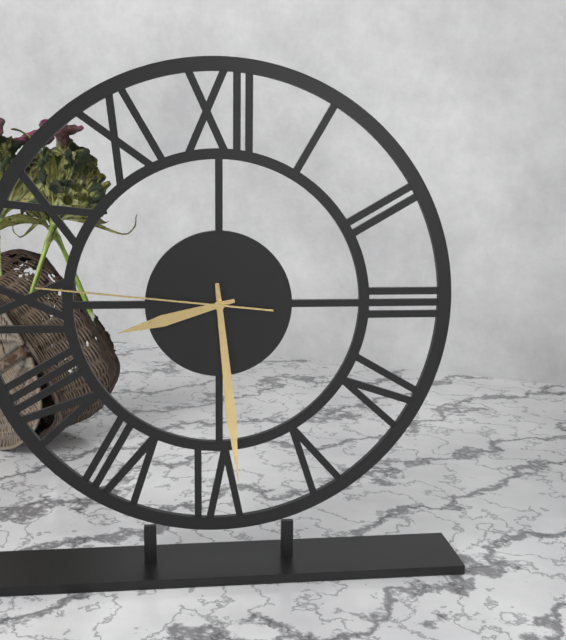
8:29:46
